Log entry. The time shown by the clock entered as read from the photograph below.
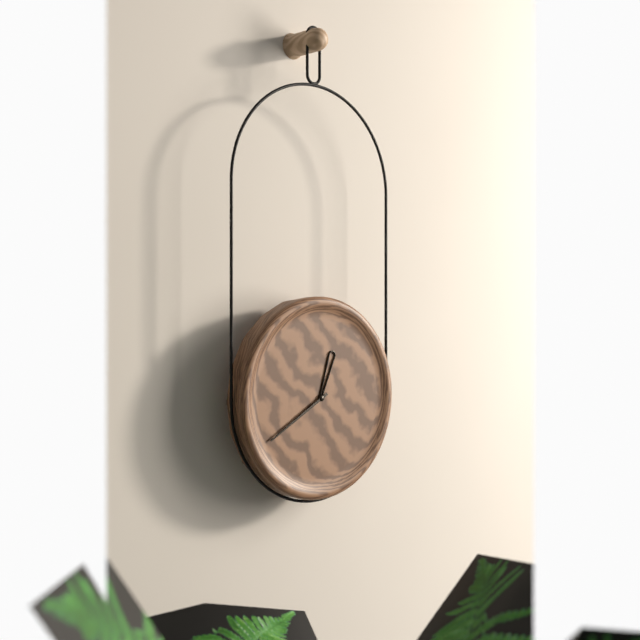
12:40
